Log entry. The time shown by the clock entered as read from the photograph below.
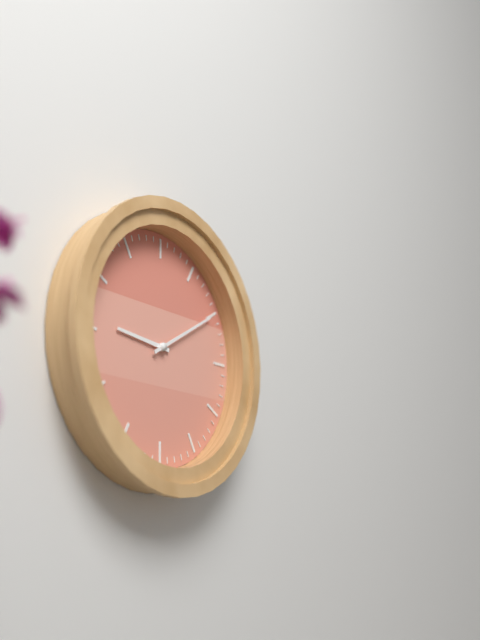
9:10
